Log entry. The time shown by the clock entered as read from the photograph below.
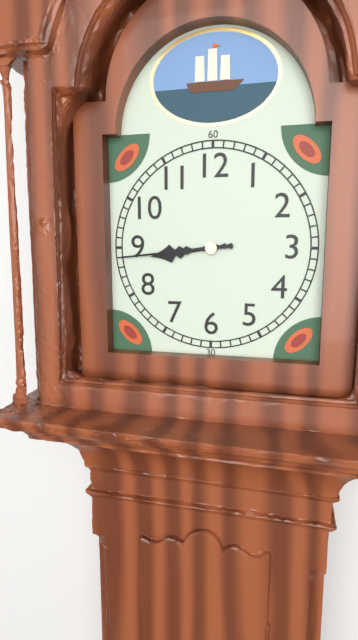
8:44
